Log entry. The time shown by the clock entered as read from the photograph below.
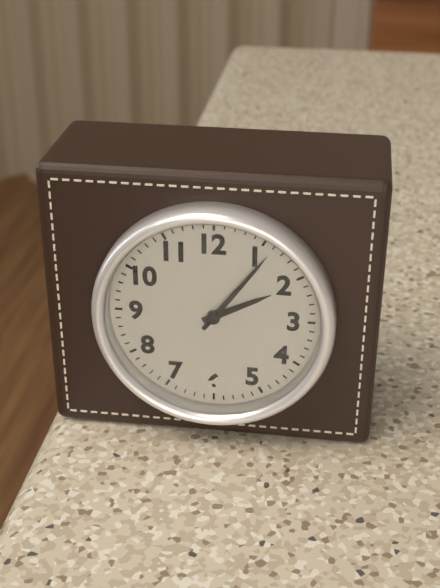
2:06
